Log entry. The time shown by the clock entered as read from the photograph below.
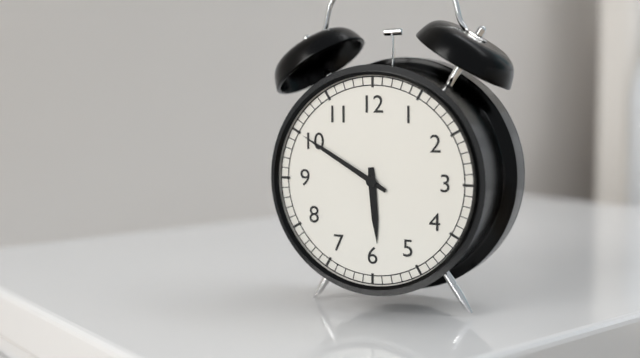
5:50
